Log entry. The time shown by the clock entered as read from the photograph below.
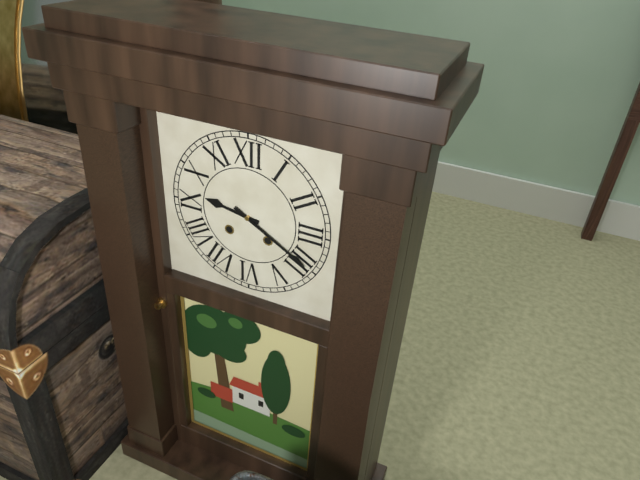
9:20
